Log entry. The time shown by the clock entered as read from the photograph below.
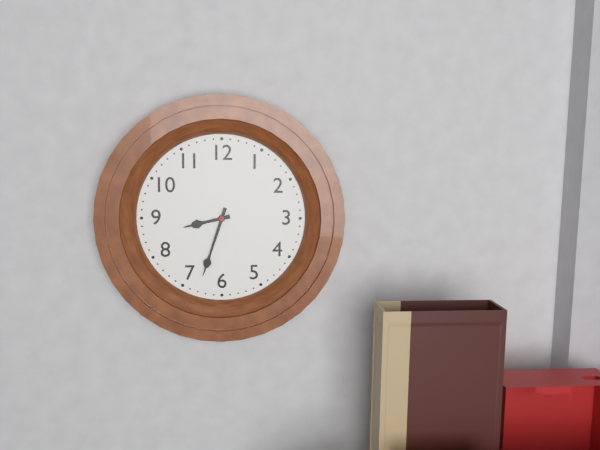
8:33
